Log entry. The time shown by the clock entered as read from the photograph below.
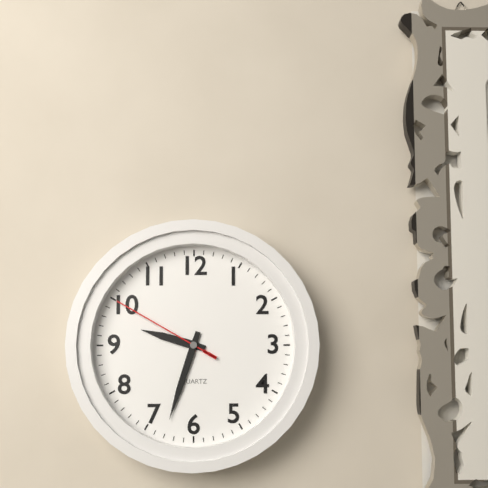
9:33:50
